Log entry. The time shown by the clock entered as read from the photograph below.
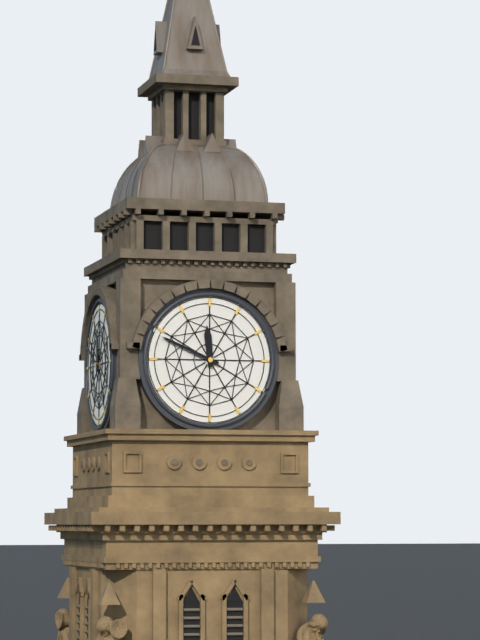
11:49
